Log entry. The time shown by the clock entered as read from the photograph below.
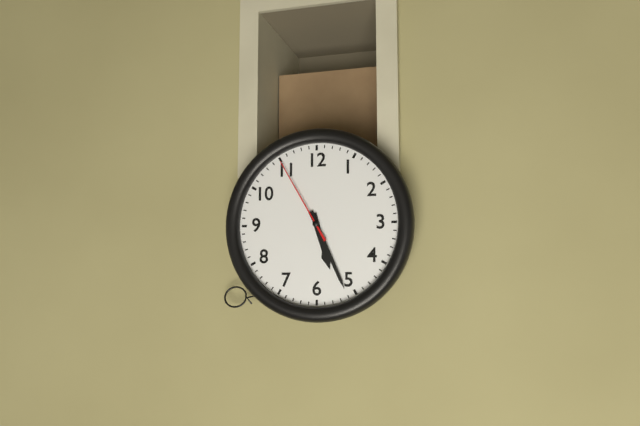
5:26:55
